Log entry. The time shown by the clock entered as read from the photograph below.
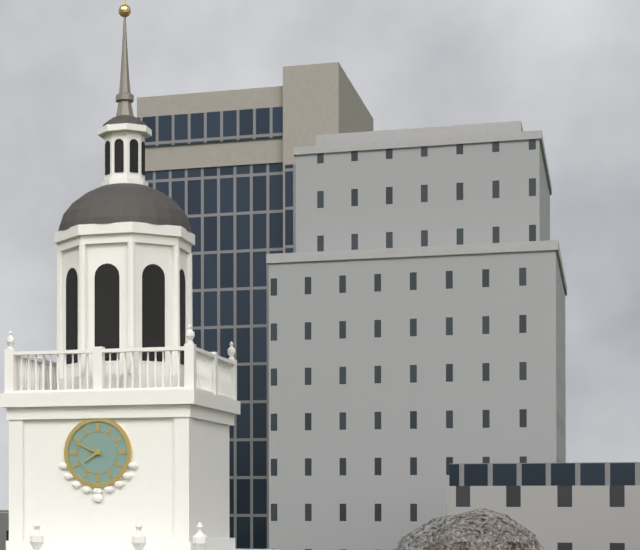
7:49
